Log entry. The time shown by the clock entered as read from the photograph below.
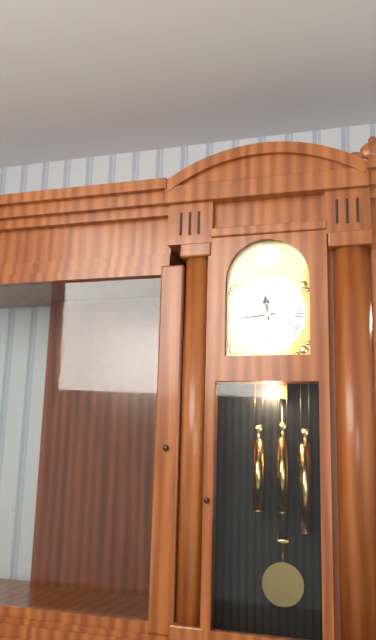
11:44
